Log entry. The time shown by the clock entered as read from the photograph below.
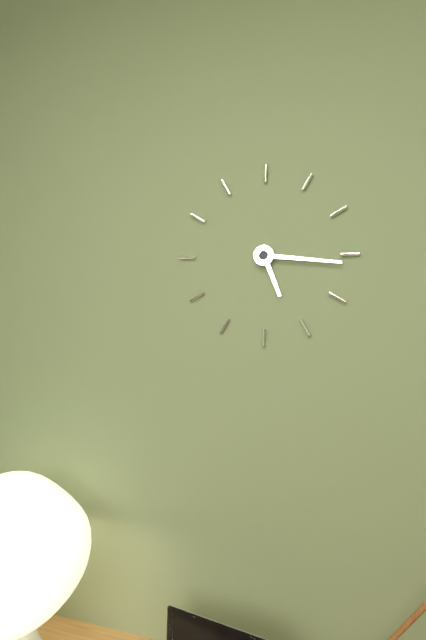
5:16
